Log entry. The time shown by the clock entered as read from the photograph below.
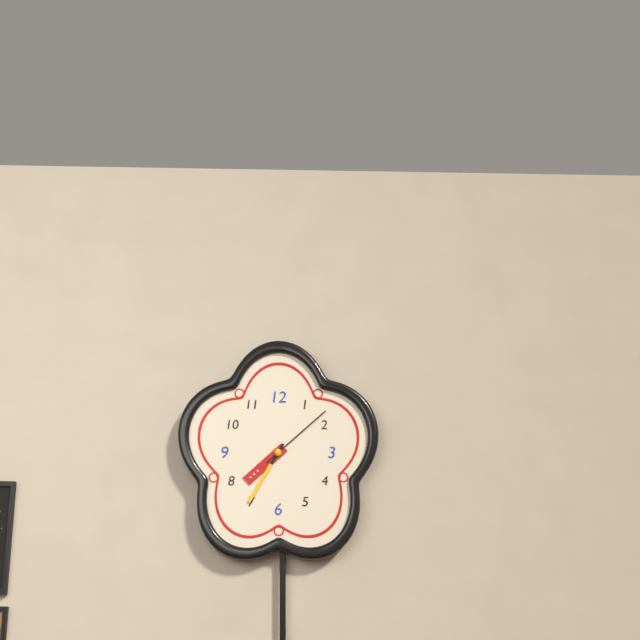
7:35:08
